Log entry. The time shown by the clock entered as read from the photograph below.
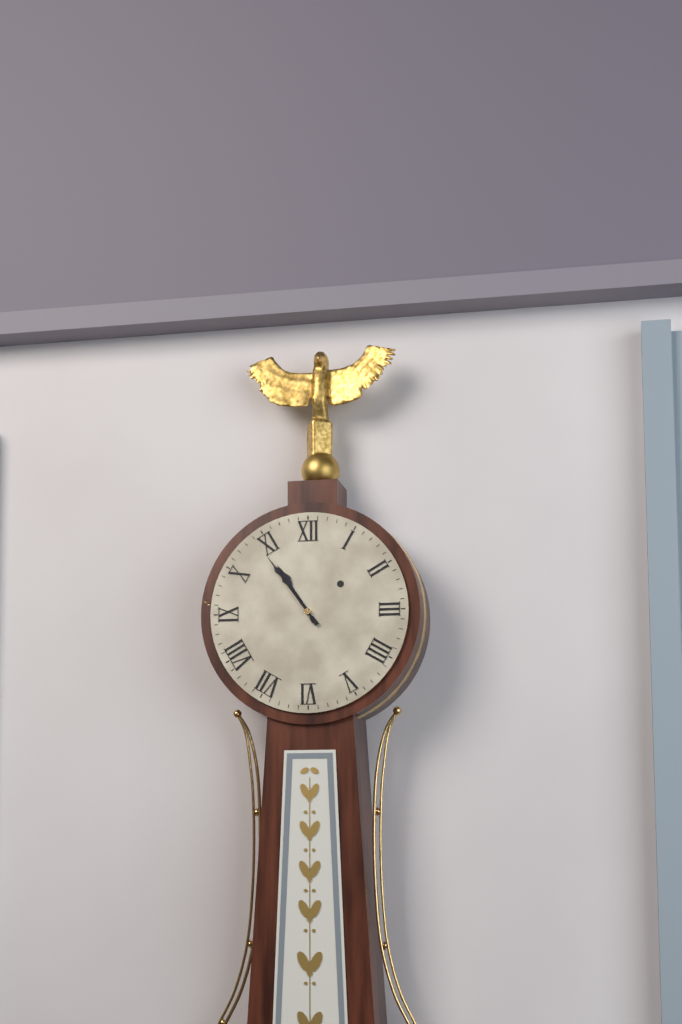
10:54
